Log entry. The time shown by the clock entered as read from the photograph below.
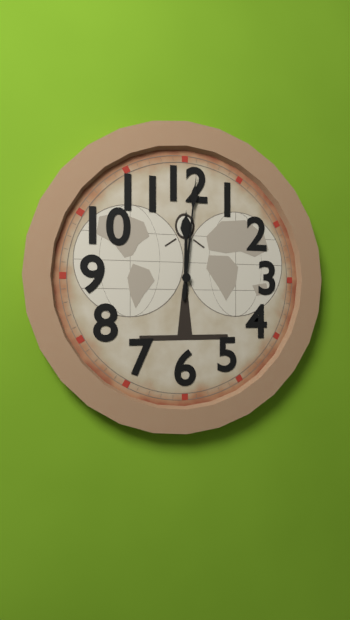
12:01
